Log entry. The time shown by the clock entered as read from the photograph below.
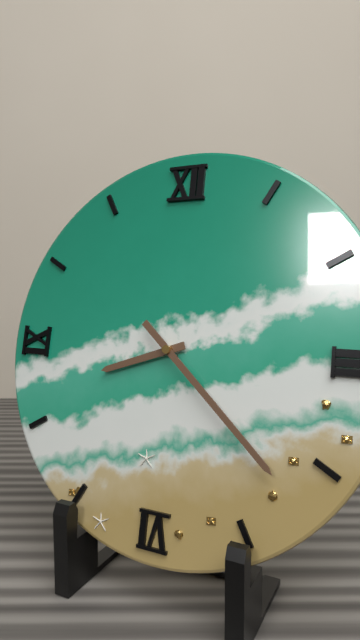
8:22
